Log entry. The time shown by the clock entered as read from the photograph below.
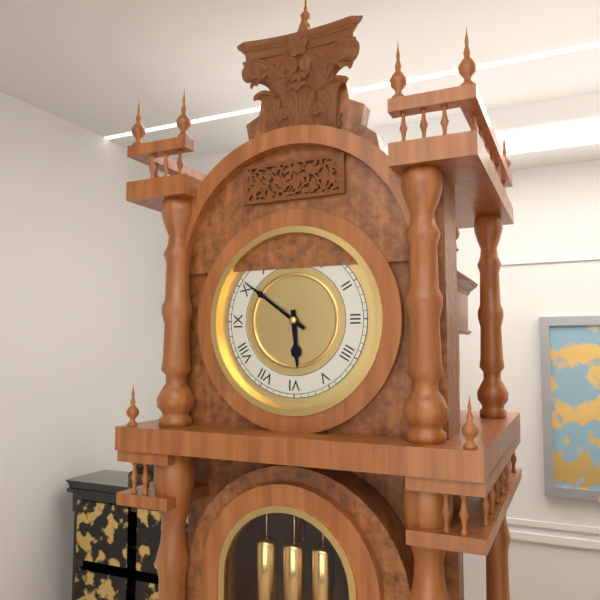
5:51
